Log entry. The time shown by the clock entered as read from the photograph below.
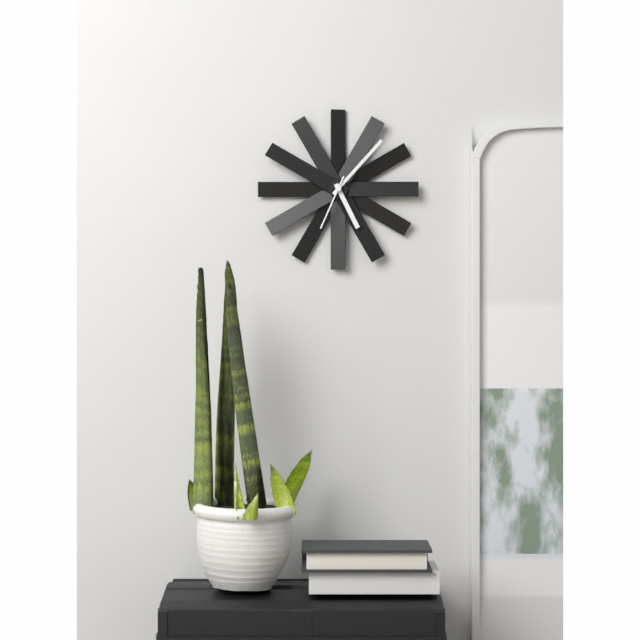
5:07:34
